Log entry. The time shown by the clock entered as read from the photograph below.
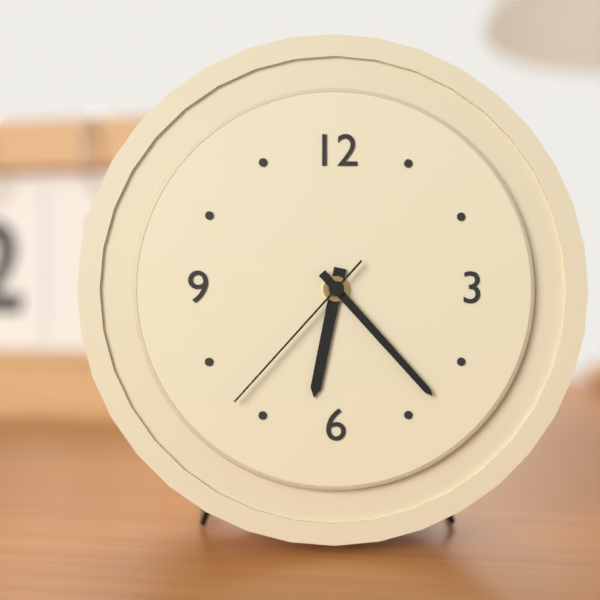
6:23:37
